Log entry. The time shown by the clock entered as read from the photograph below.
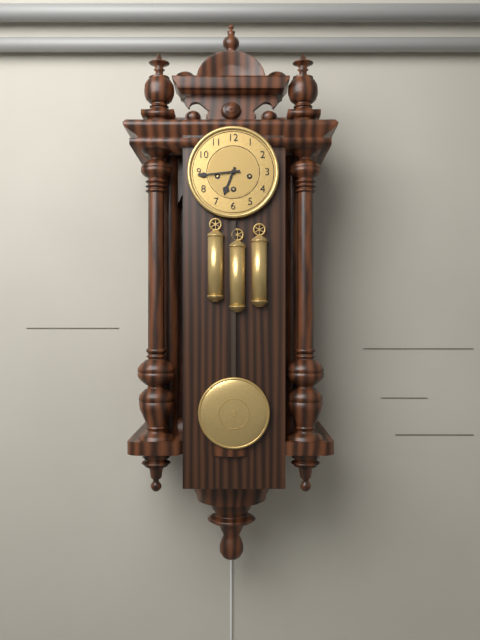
6:44
